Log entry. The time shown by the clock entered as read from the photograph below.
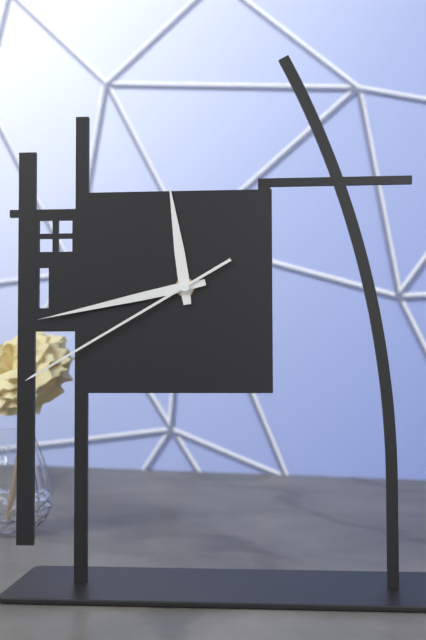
11:43:40
